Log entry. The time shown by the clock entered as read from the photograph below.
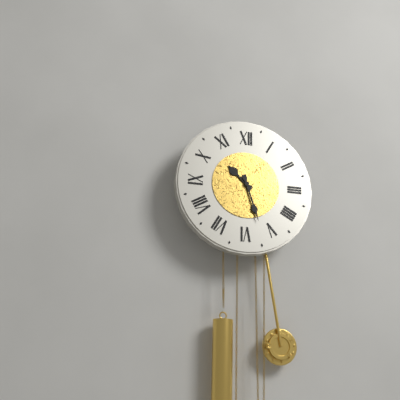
10:27
